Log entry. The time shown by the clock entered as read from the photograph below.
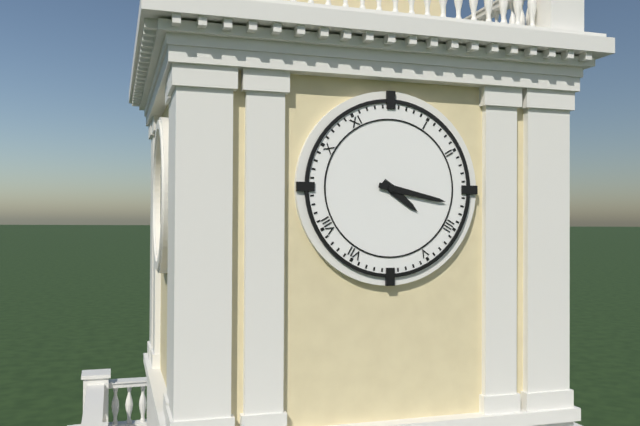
4:17
